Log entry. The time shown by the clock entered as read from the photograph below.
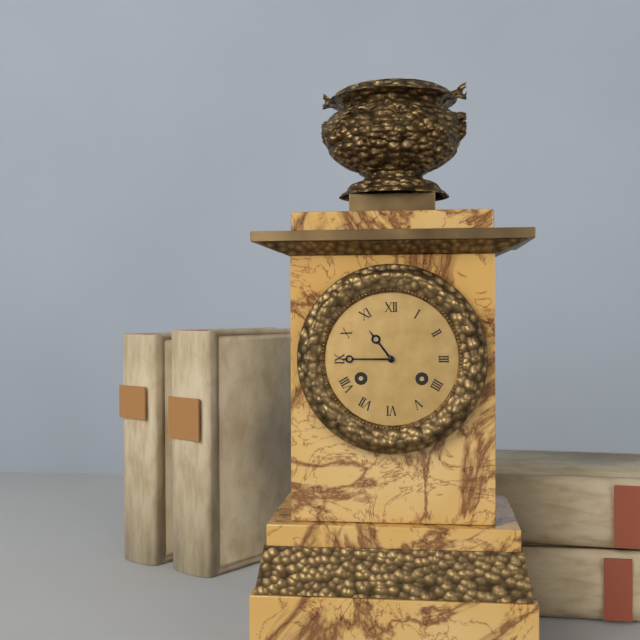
10:45
